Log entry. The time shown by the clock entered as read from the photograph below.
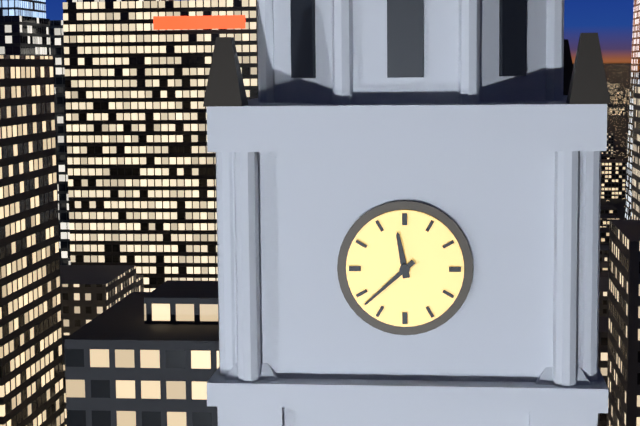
11:38
